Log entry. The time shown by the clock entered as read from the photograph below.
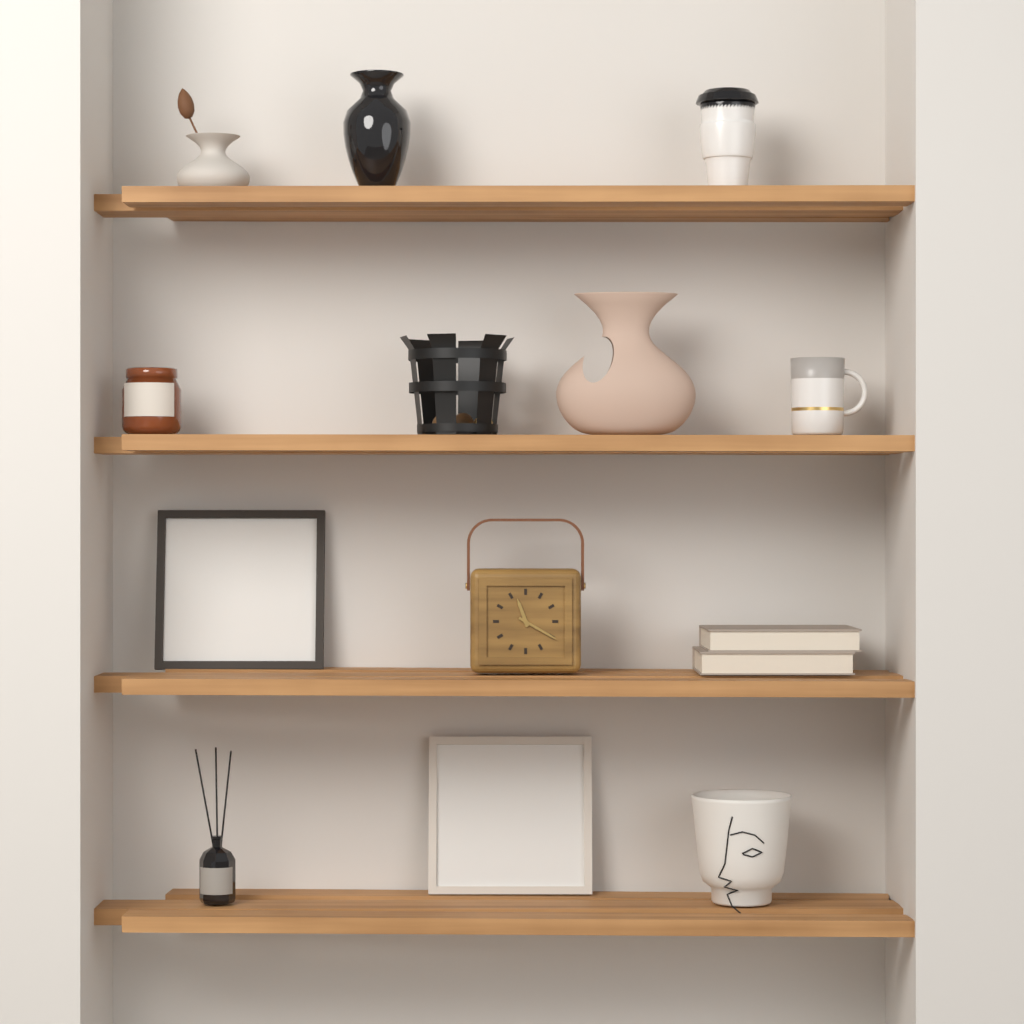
11:20
